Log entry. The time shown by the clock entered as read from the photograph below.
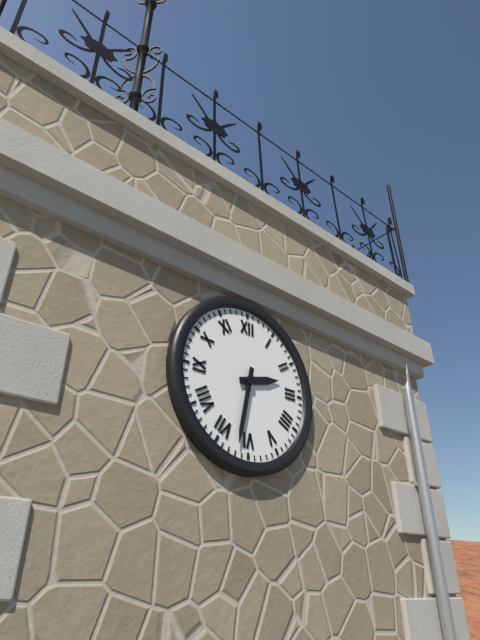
2:32
